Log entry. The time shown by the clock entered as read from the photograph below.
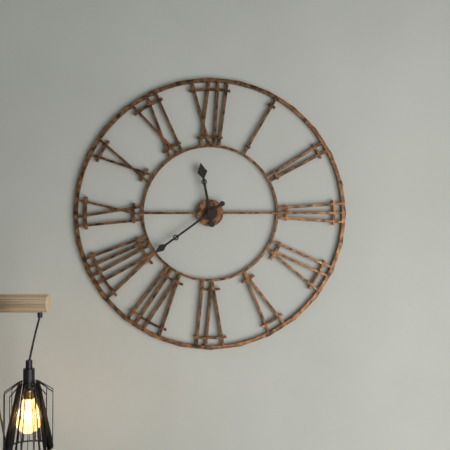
11:39
